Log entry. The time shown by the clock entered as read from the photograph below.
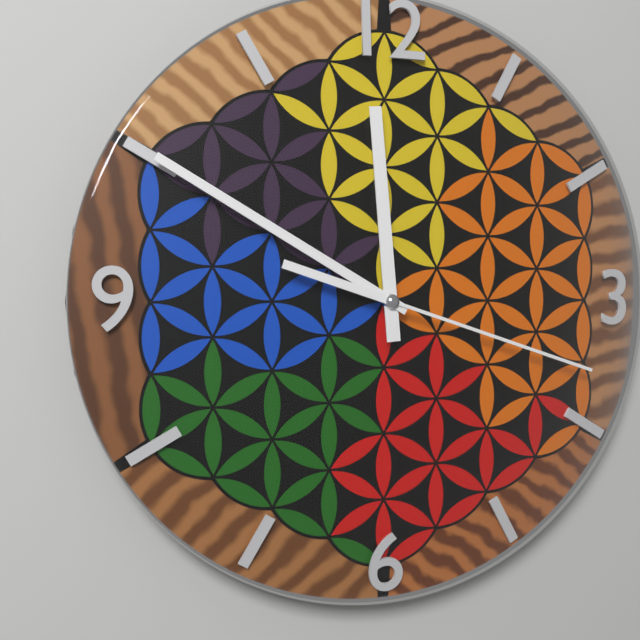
11:50:18
